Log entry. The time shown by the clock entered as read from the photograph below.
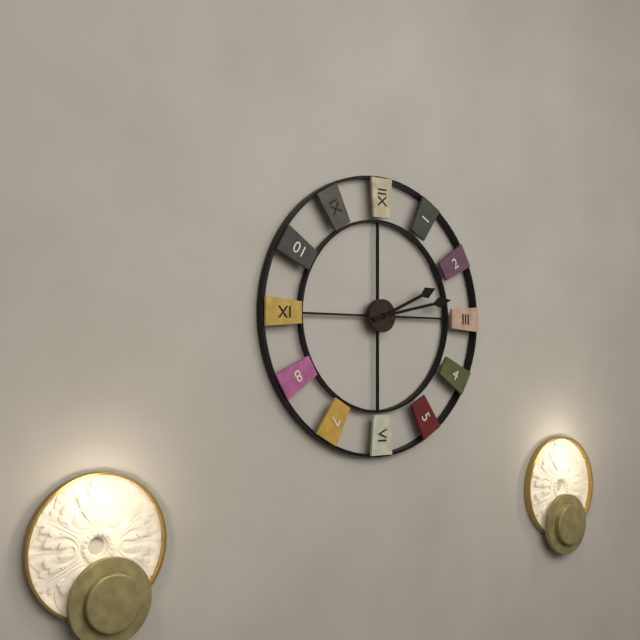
2:13
